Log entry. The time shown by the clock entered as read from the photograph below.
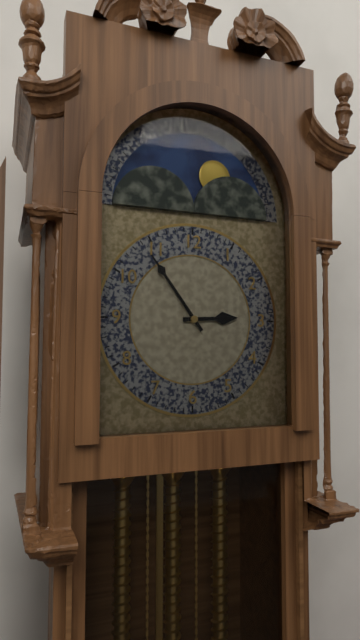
2:54
